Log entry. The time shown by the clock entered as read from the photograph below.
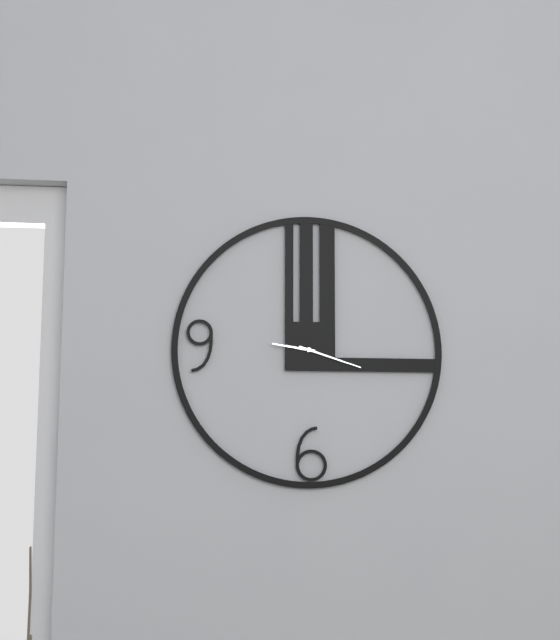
9:18
